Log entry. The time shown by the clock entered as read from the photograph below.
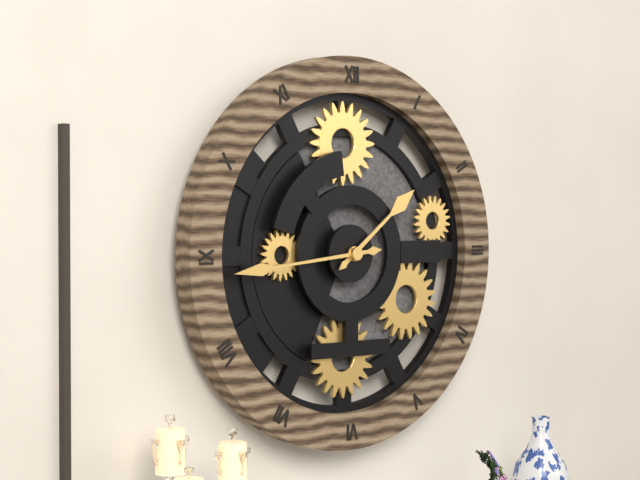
1:44
